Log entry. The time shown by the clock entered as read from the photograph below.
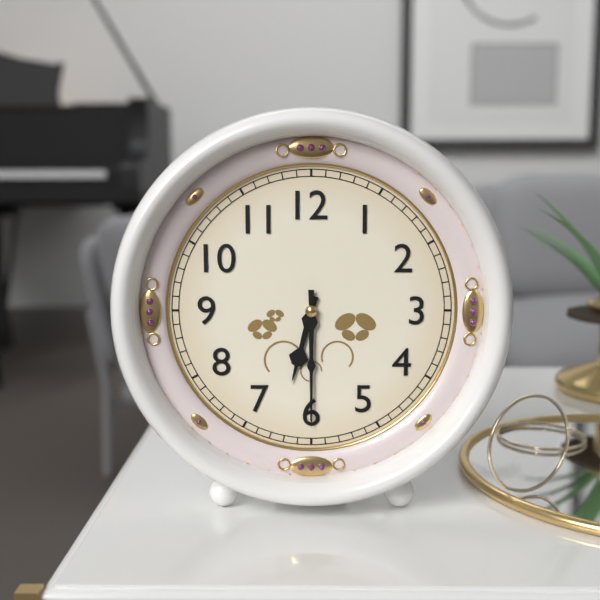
6:30
